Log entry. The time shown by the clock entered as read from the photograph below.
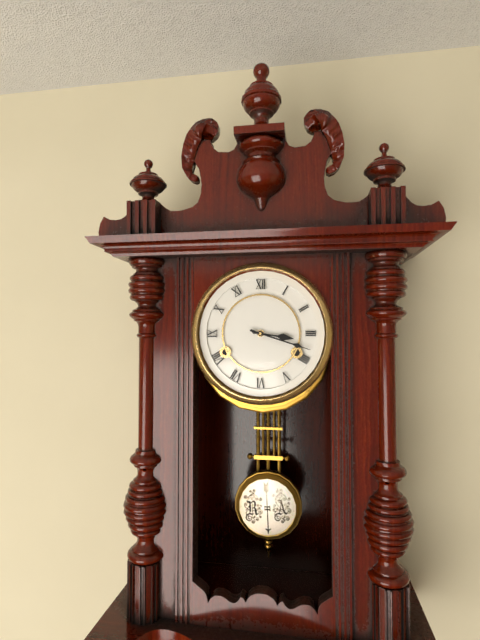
3:18
